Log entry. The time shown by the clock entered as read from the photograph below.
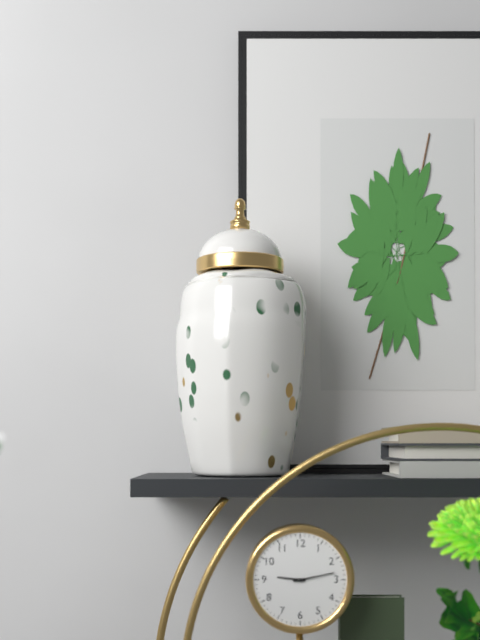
9:13
